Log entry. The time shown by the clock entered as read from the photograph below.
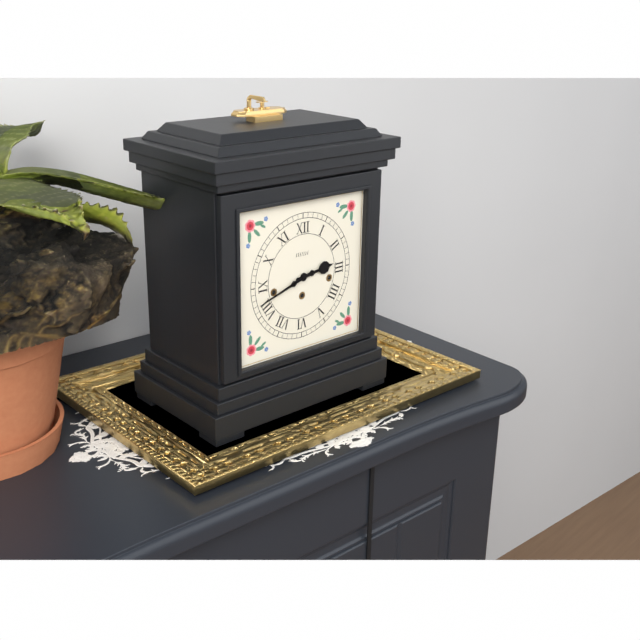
2:42
